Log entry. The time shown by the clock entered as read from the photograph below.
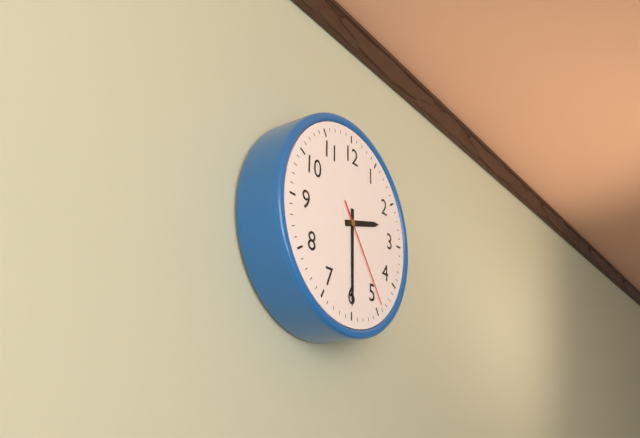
2:30:24
